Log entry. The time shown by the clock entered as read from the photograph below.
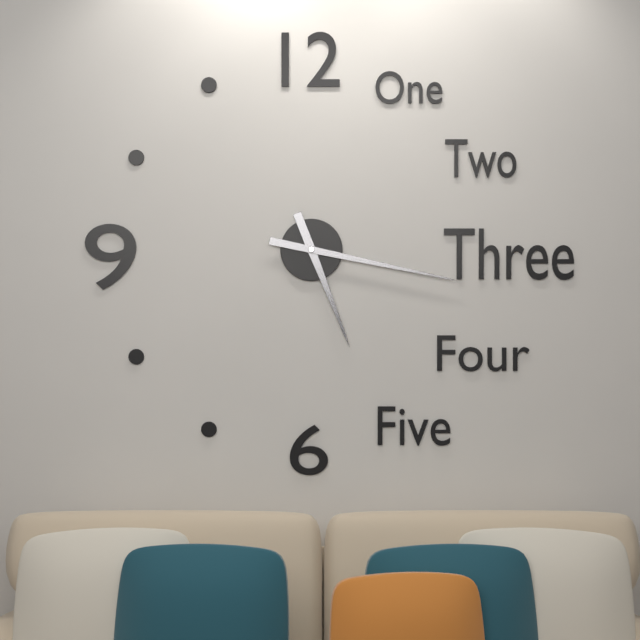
5:17
